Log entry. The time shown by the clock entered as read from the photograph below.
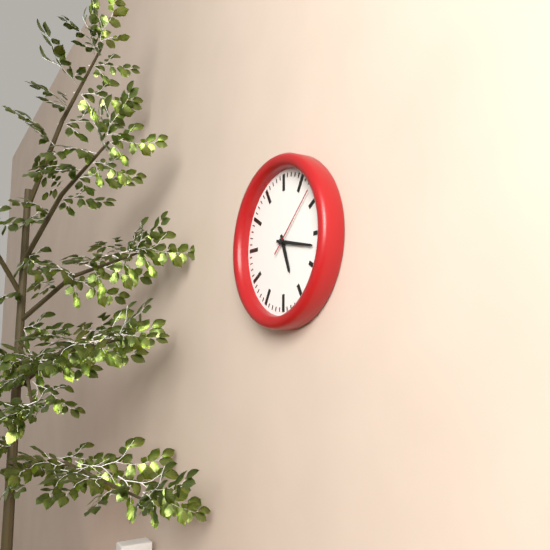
5:17:08
